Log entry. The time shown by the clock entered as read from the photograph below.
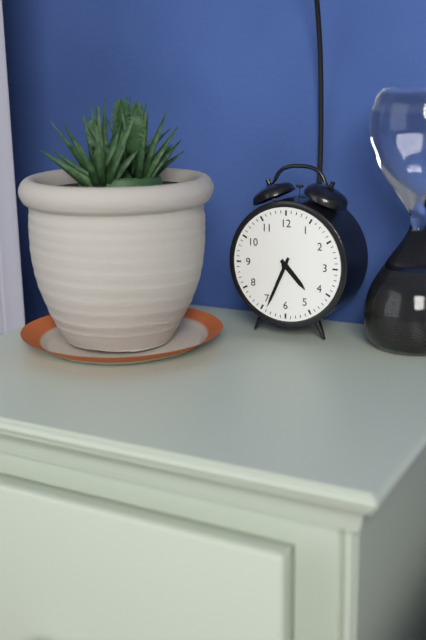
4:34
